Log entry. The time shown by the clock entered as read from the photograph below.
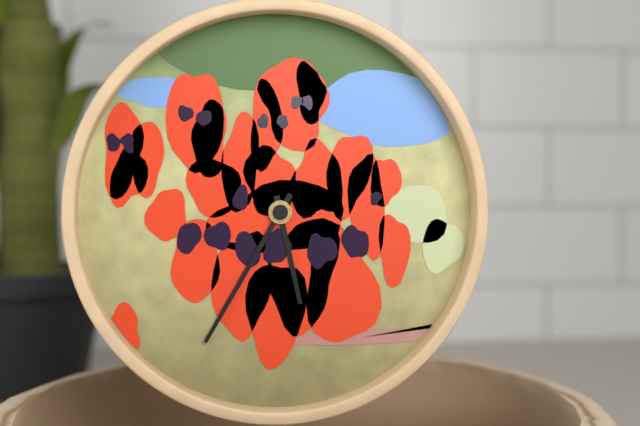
5:35
